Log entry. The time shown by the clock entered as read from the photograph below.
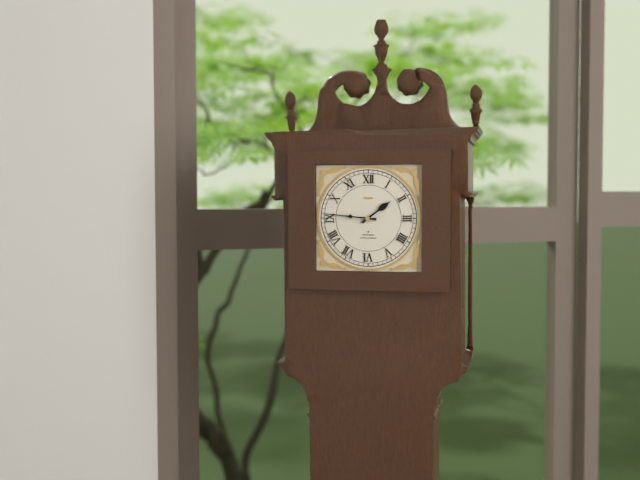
1:46
